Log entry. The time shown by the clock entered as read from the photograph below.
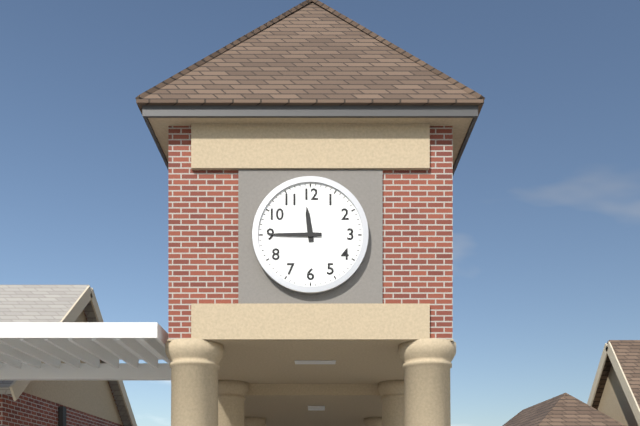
11:45
